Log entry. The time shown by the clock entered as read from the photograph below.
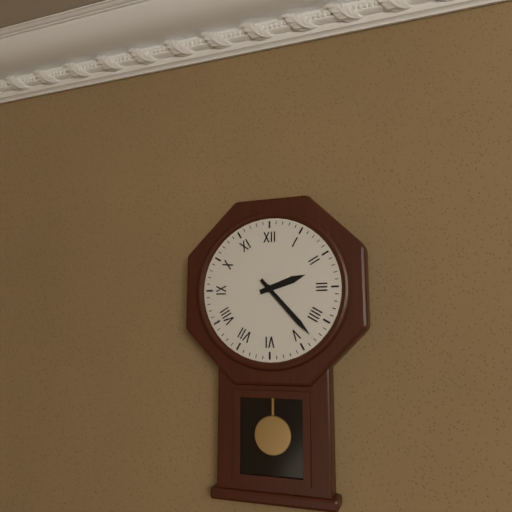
2:23
